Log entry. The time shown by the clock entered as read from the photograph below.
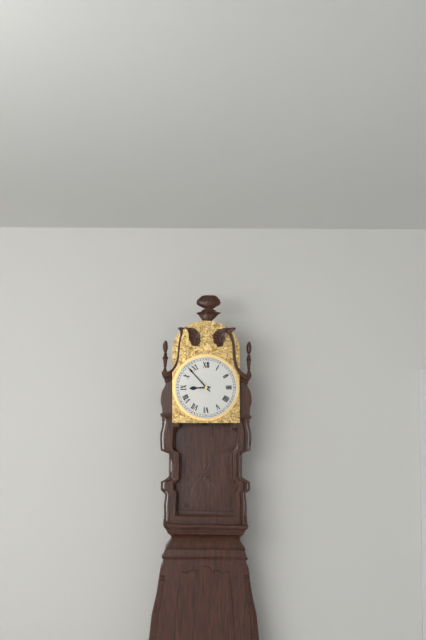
8:53
